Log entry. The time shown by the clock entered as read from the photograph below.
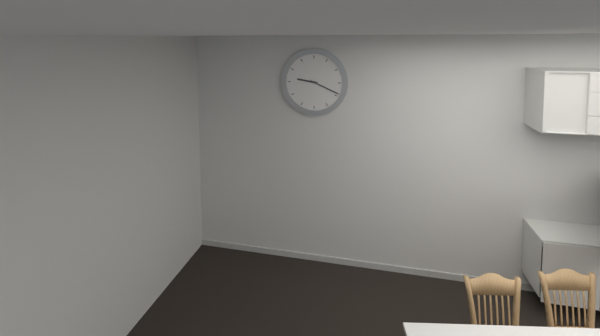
9:19
